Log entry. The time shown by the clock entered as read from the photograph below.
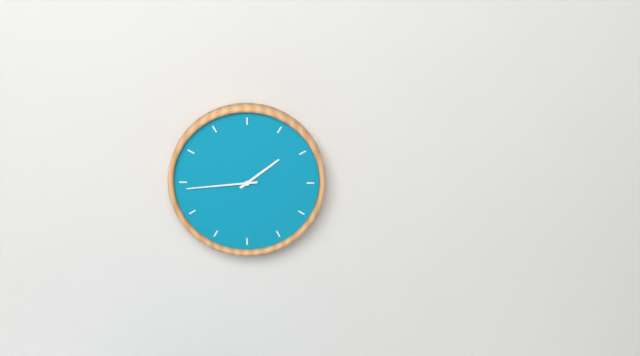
1:44
